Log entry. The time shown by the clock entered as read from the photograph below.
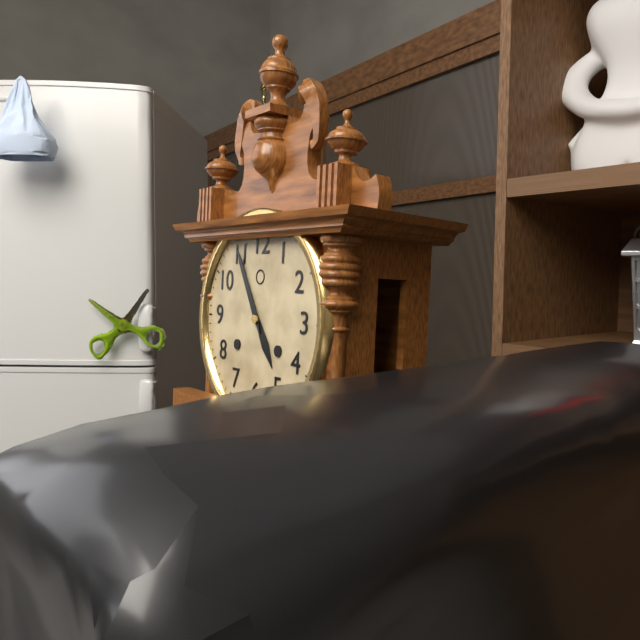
4:55
